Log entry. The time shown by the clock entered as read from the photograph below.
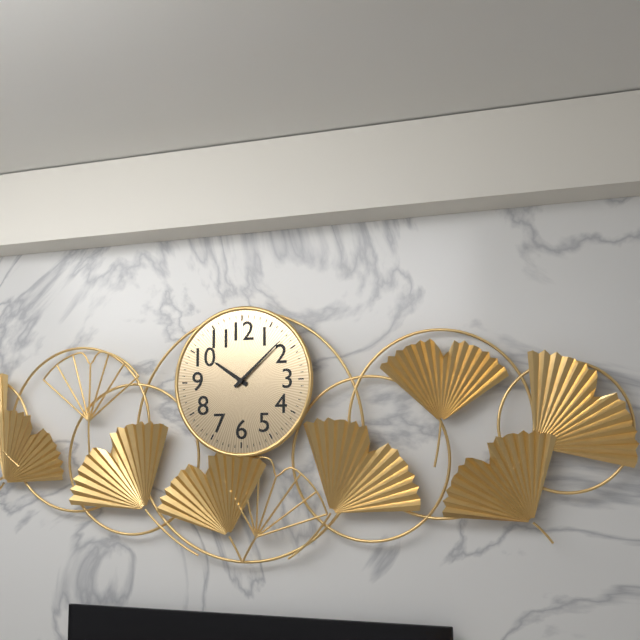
10:08
